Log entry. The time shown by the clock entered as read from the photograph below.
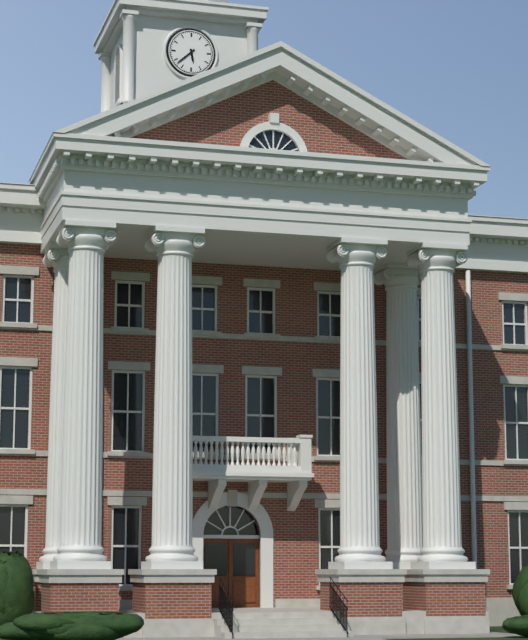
5:38
